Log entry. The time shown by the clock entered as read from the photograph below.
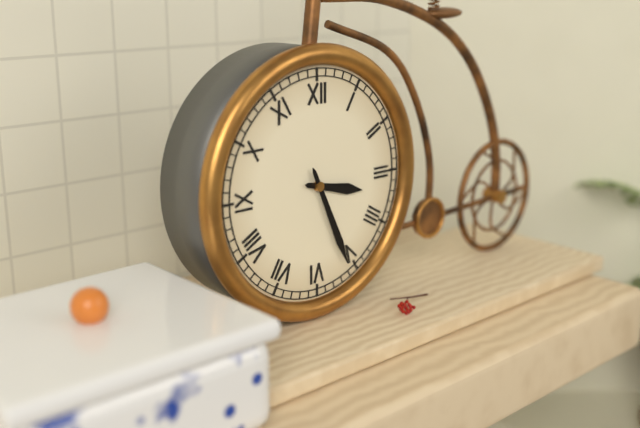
3:26
